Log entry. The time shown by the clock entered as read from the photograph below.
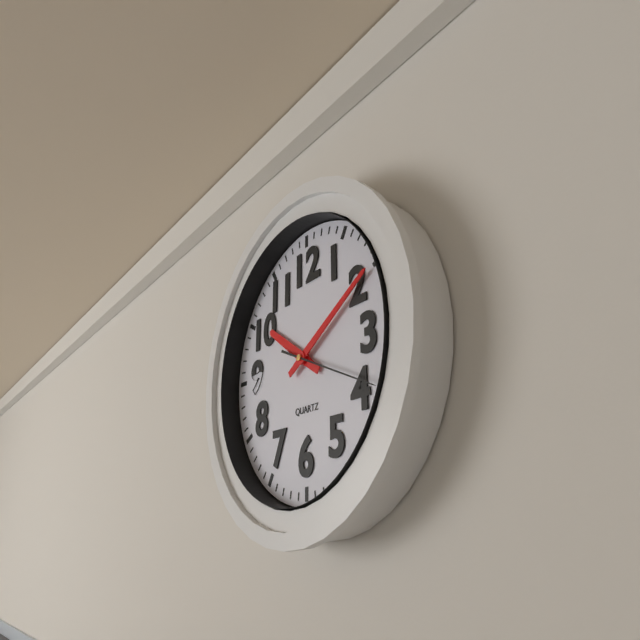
10:10:19
